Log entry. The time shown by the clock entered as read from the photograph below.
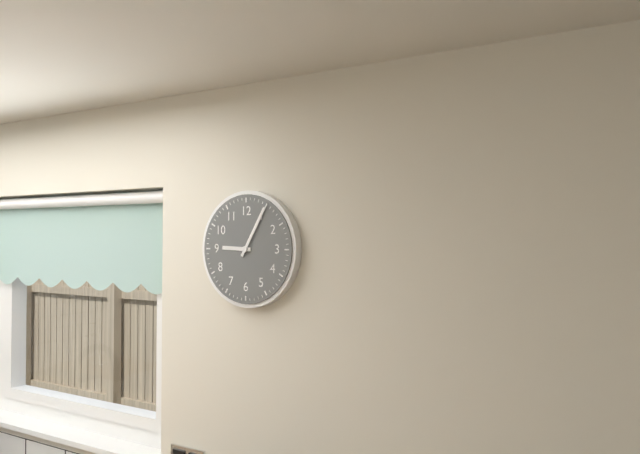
9:05
